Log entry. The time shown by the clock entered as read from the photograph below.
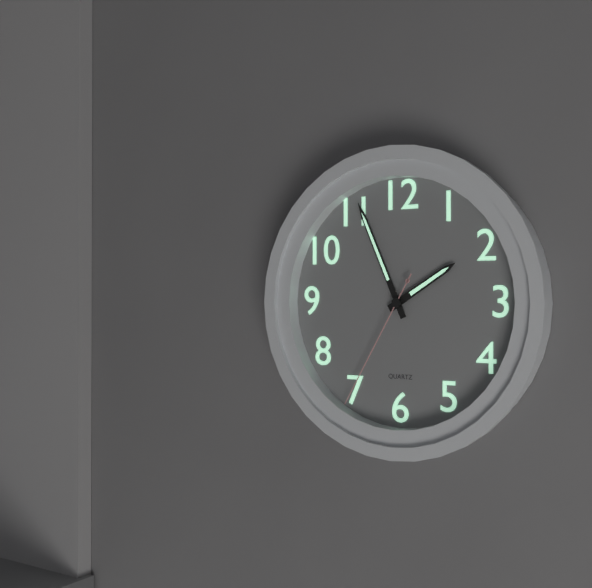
1:56:35
